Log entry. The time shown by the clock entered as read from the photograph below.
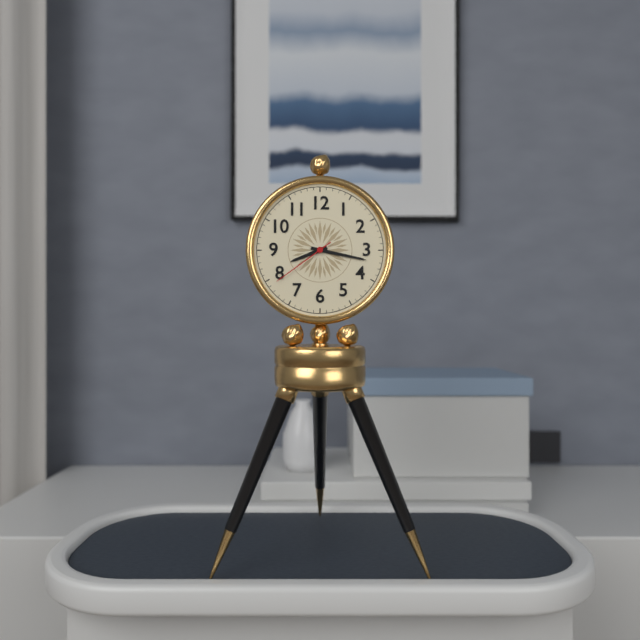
8:17:39
